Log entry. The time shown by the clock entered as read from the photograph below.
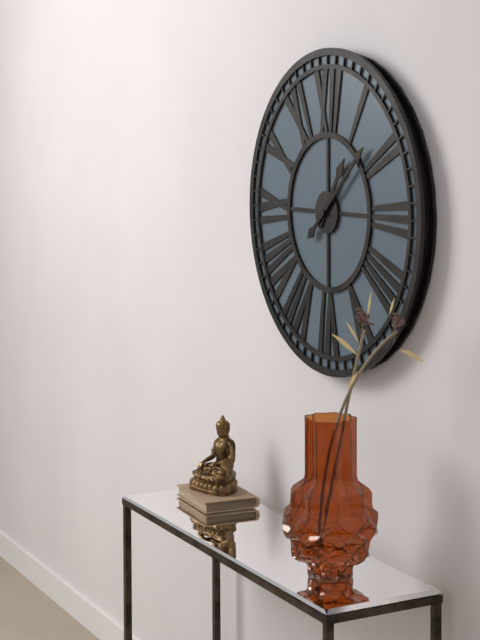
1:08
